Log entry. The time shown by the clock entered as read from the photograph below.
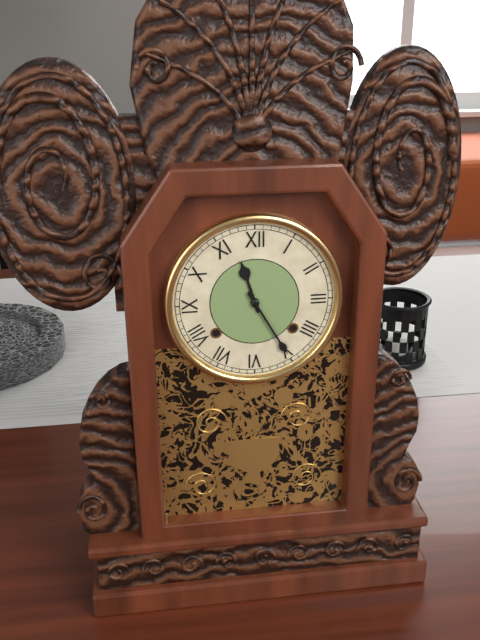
11:25
